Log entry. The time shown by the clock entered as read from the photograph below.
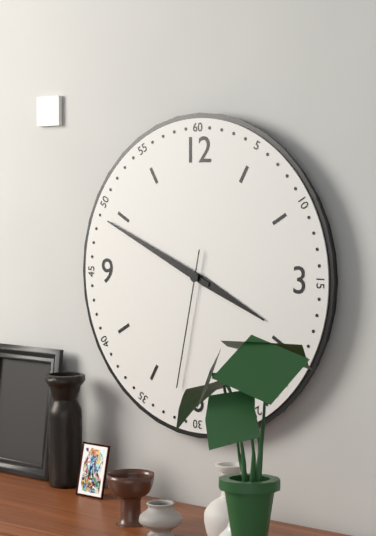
3:49:32
